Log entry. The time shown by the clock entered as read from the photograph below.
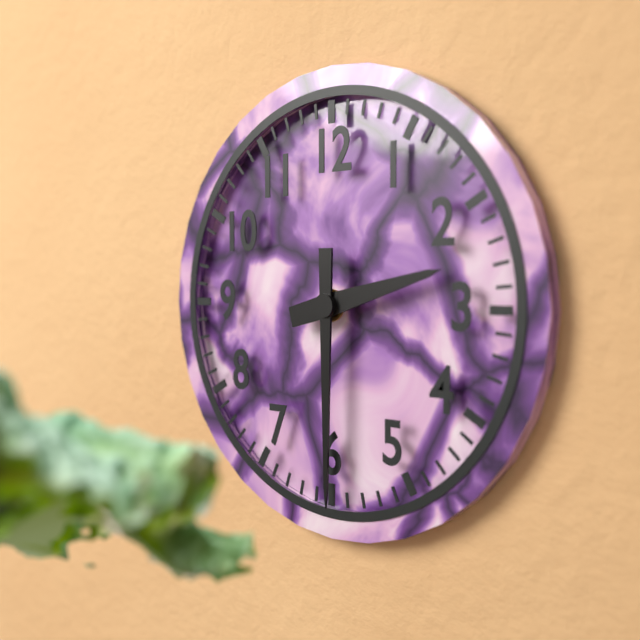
2:30
